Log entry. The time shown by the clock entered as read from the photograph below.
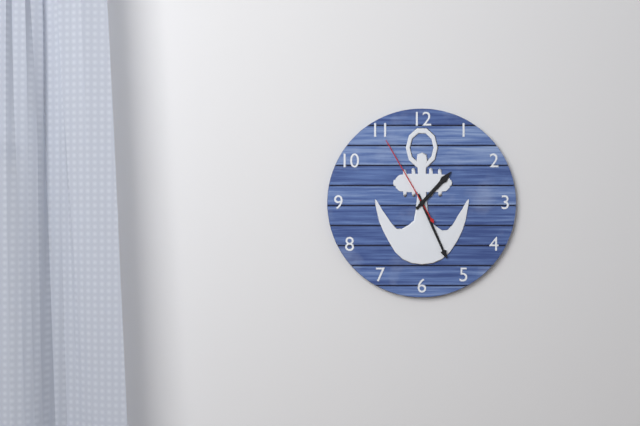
1:26:55
